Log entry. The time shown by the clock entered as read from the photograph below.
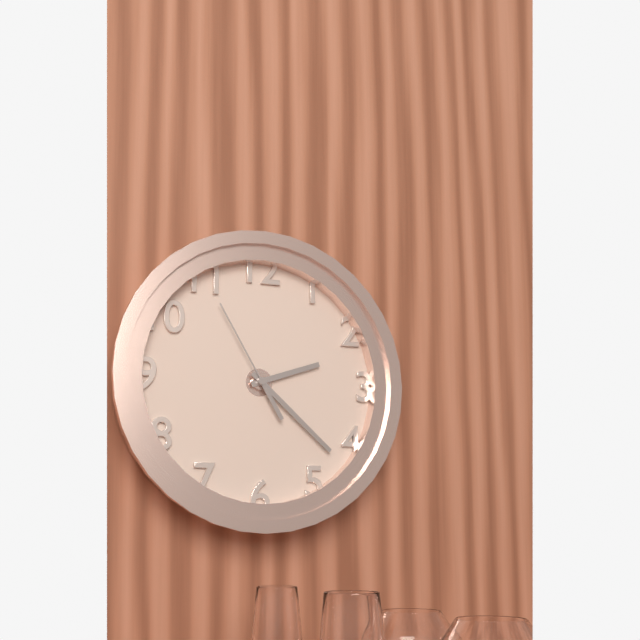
2:22:55
